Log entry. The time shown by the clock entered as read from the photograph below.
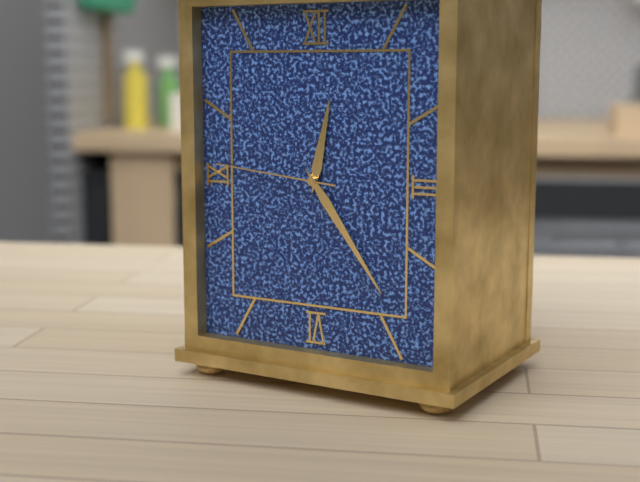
12:24:46
